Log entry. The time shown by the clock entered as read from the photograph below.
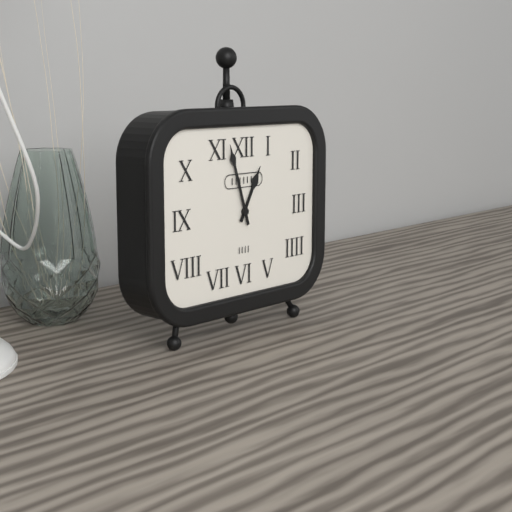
12:57
